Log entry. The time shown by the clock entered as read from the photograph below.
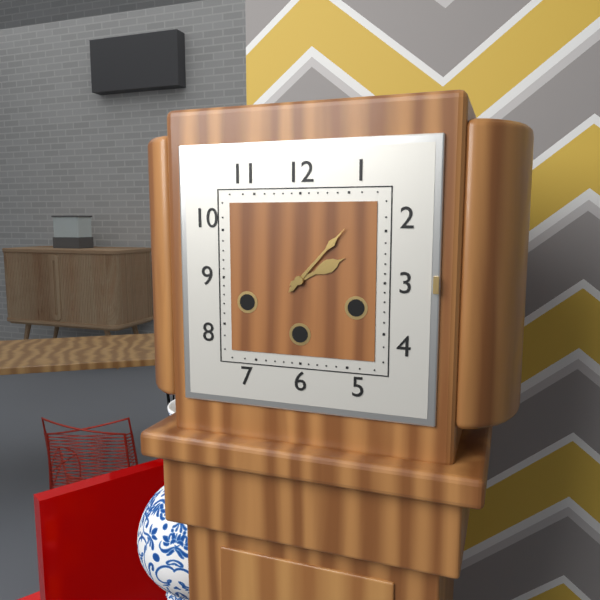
2:07
